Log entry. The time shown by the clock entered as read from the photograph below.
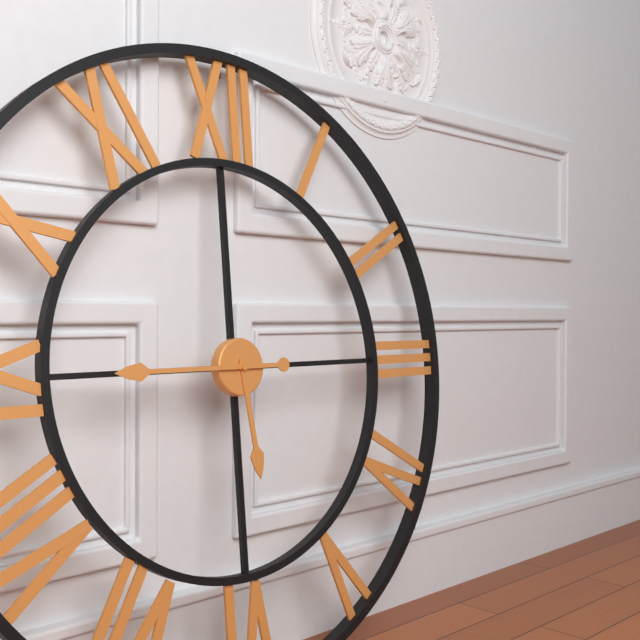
5:45
